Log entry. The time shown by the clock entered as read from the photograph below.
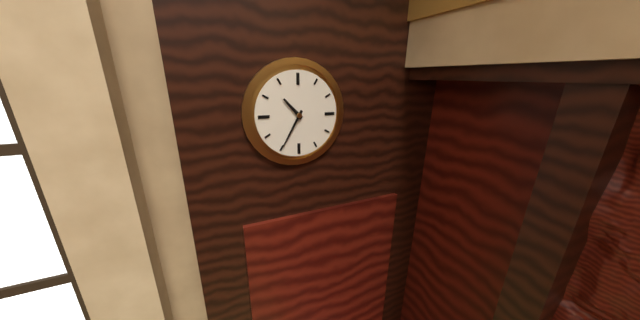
10:35
